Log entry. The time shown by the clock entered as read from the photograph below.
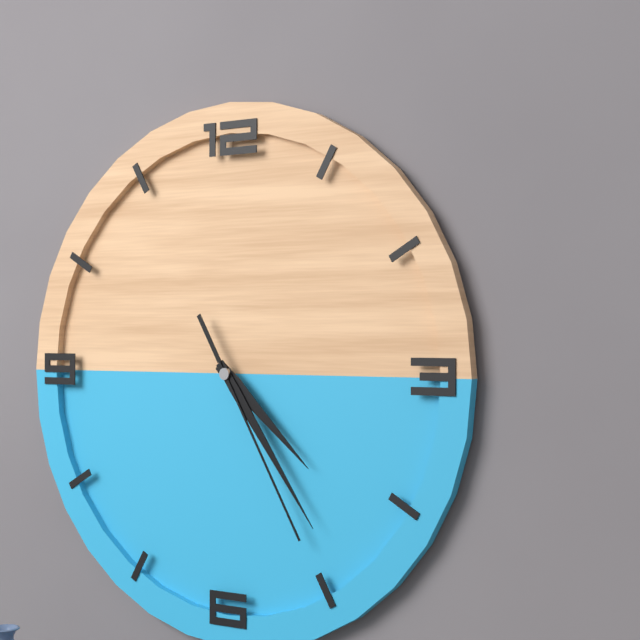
4:24:25
